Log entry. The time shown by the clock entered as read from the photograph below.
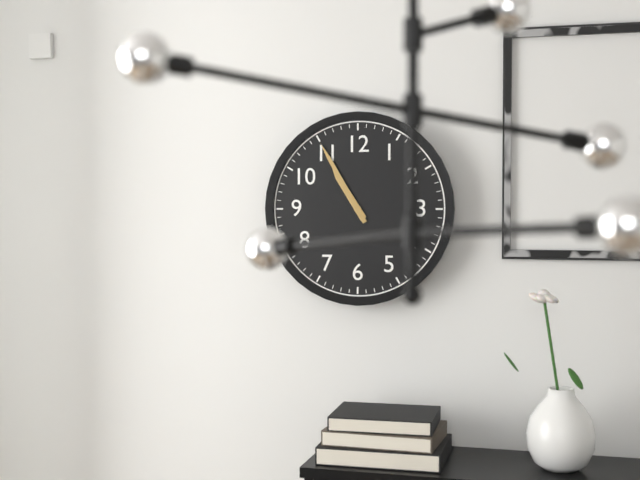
10:55
